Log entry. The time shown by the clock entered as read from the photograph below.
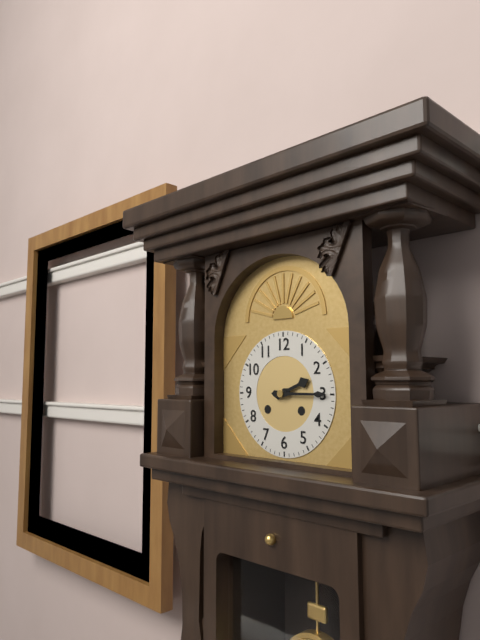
2:15
